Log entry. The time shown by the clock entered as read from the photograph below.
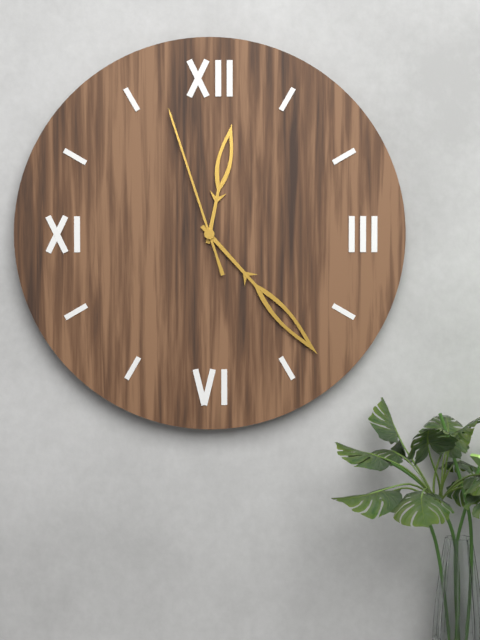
12:23:57
